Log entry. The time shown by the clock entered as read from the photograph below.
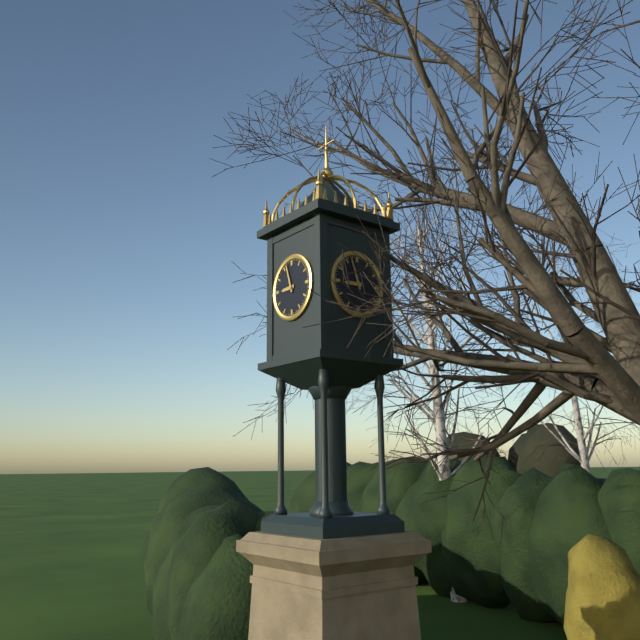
8:57
